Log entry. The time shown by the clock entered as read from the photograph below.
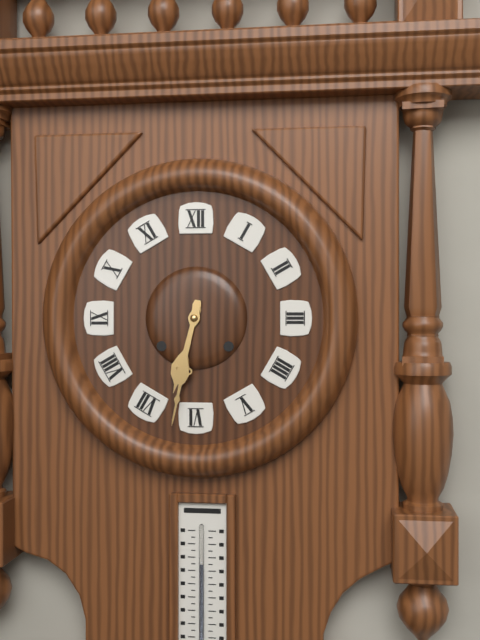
6:32
